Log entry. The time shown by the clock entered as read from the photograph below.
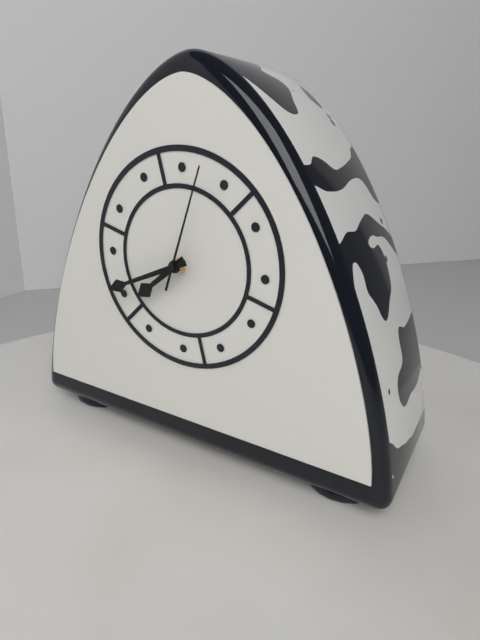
7:41:03
